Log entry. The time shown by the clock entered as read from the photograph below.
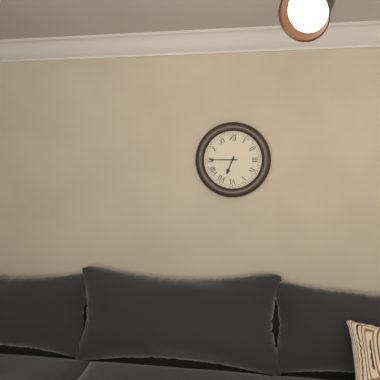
6:45
